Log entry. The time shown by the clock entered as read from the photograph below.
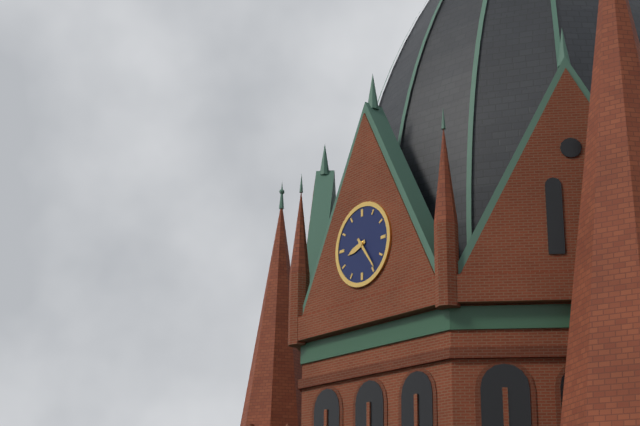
8:24
